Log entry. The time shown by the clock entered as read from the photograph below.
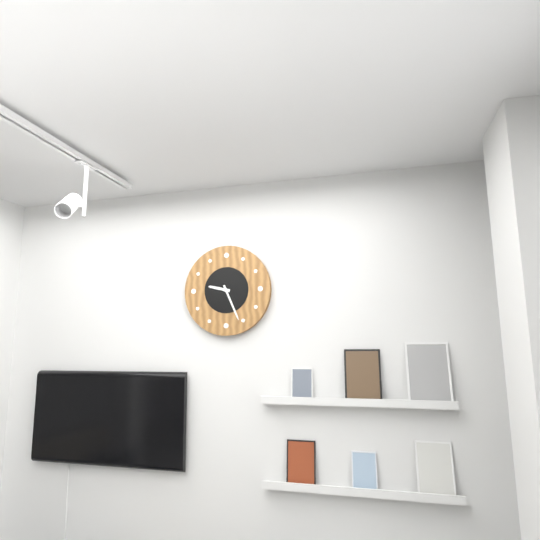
9:26
